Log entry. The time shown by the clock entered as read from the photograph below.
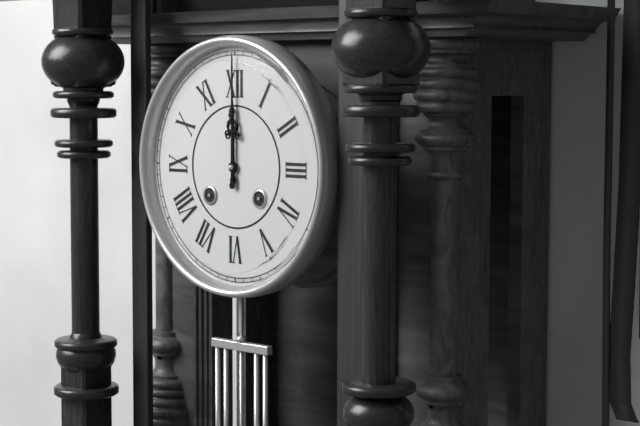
12:00
